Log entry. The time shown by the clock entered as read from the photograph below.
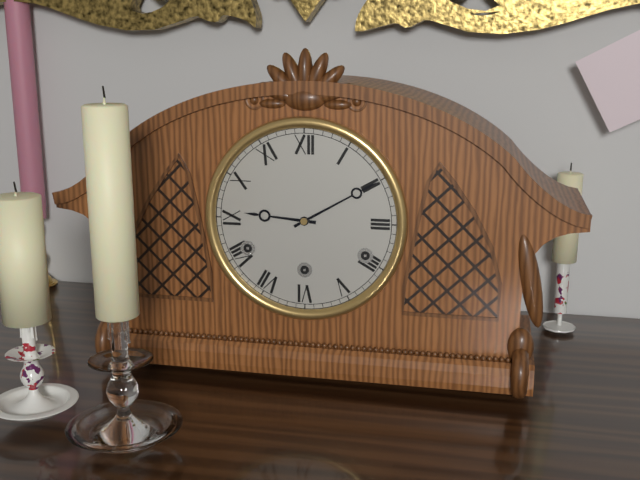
9:10
